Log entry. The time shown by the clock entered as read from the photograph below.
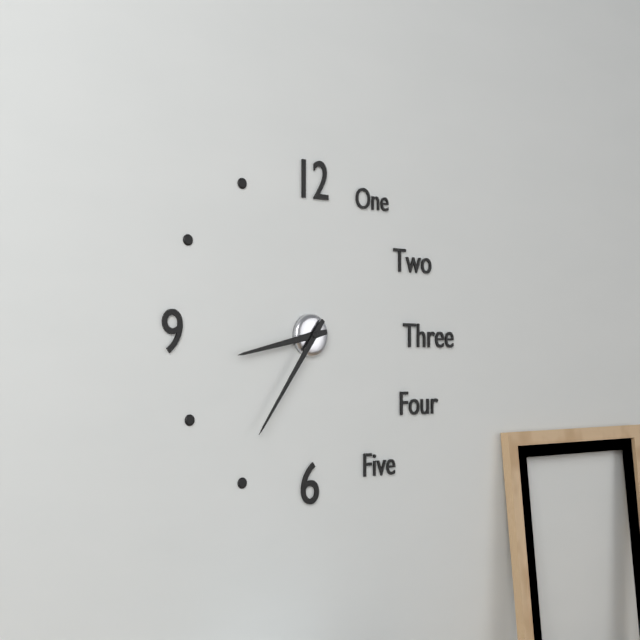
8:36
